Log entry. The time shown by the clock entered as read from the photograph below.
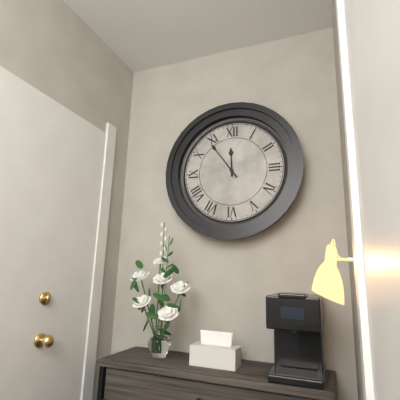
11:54
